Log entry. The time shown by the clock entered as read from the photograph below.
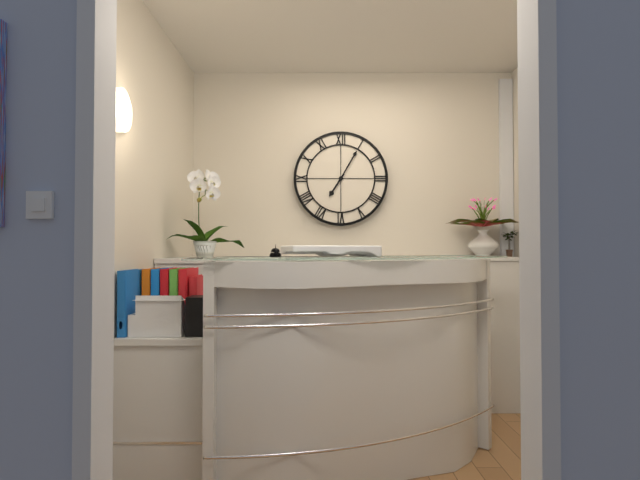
7:05
